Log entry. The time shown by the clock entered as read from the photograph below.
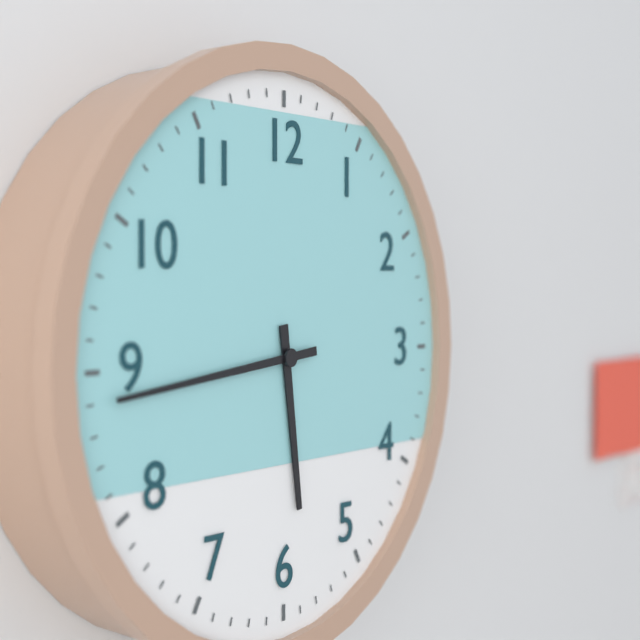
5:44
